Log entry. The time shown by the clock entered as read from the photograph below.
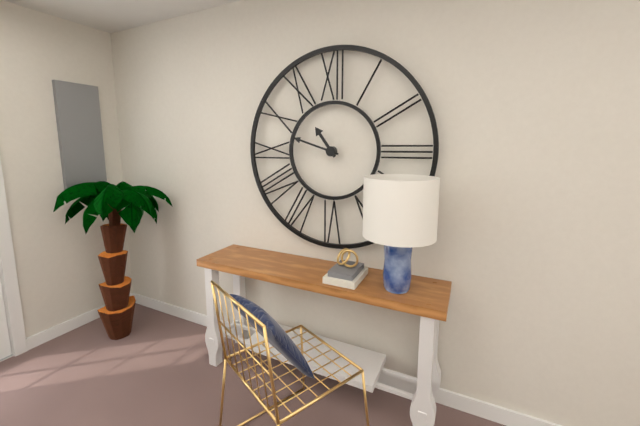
10:48
